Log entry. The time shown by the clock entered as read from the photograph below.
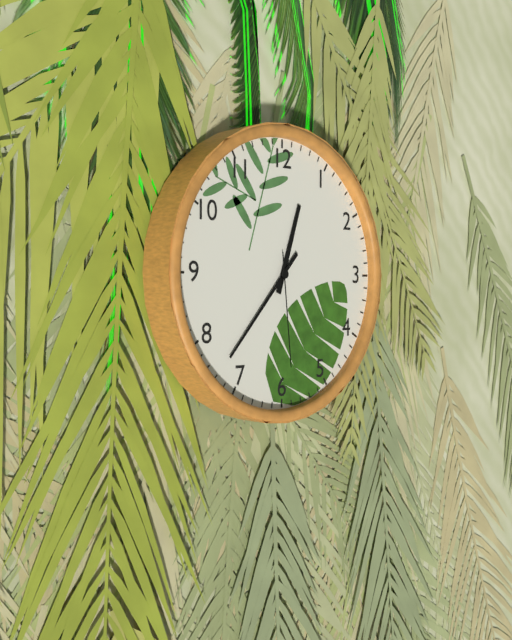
12:37:29
